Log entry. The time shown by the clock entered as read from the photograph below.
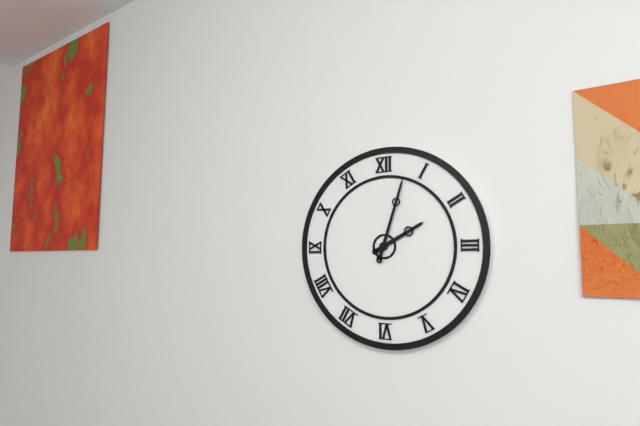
2:03
